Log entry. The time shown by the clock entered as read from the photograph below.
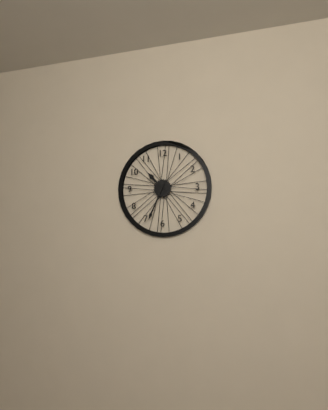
10:34
